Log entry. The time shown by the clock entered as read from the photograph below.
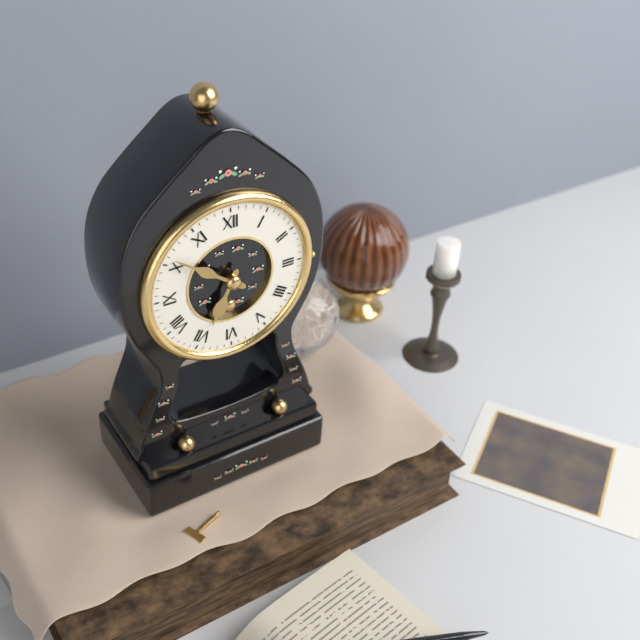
6:51
